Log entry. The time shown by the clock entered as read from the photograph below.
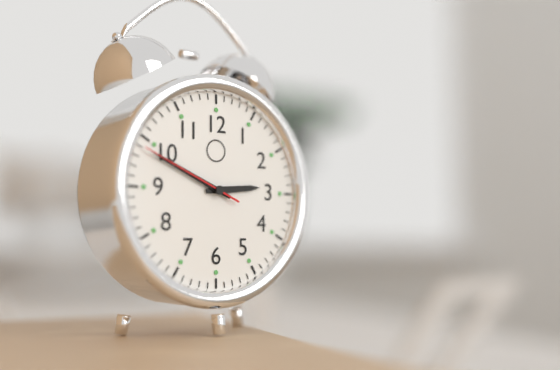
2:49:49
